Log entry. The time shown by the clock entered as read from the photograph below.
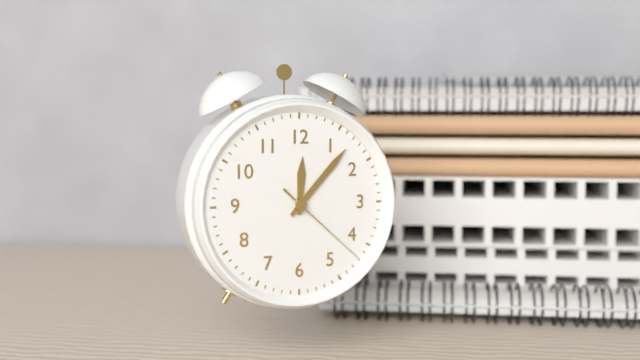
12:07:22
